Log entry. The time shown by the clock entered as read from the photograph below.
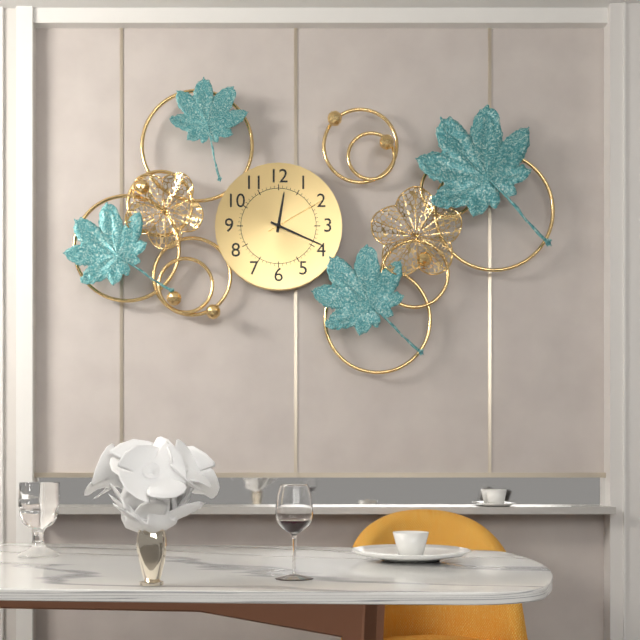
12:19:10
